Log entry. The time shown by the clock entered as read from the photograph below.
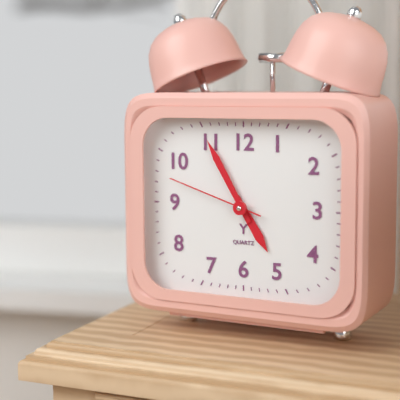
4:55:48
